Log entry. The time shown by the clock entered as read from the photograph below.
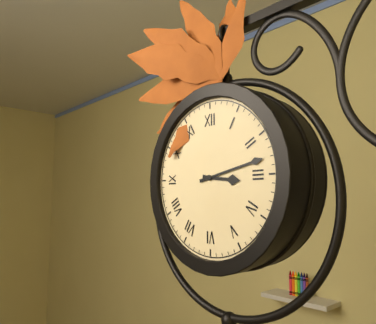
3:13
